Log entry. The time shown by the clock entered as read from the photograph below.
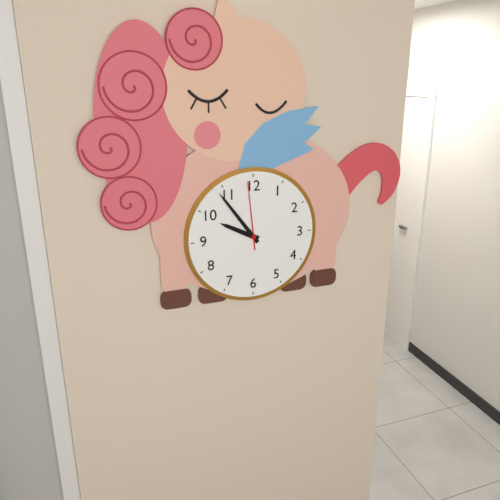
9:54:59
